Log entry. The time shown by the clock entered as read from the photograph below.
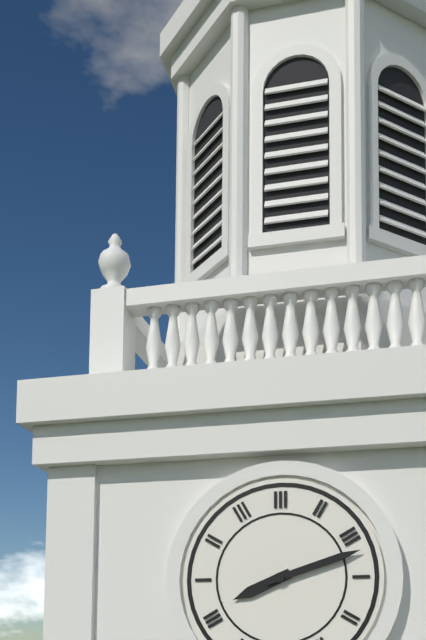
8:12
